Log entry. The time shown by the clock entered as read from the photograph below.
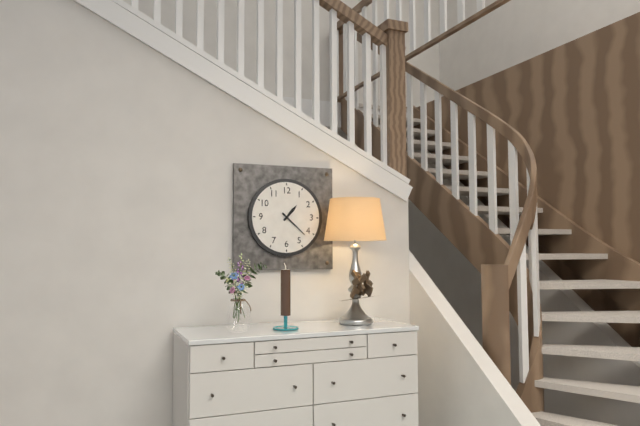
1:22
